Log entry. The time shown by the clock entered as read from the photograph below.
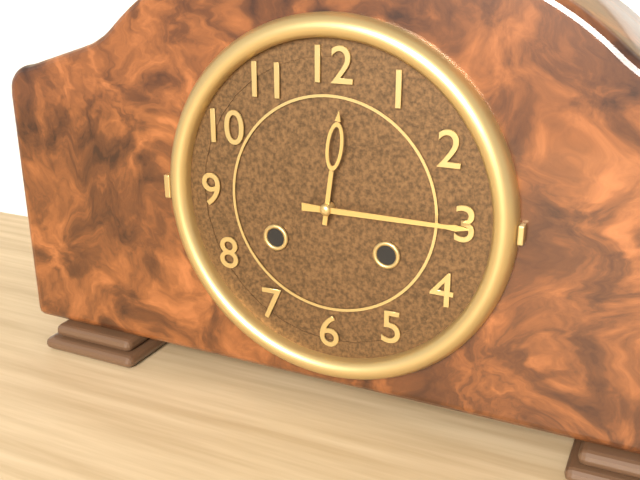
12:15
